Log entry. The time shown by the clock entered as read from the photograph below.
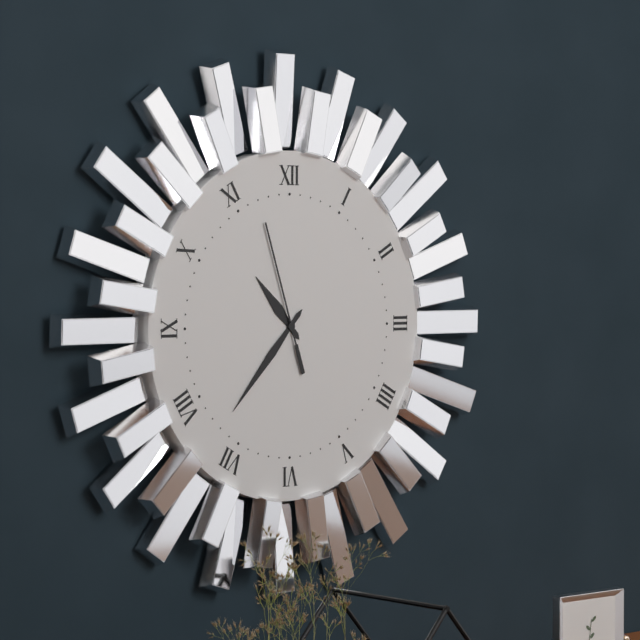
10:37:57
